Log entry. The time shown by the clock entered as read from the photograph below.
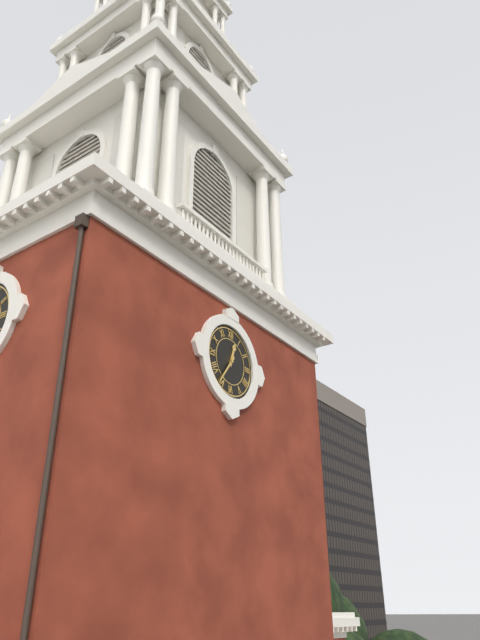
12:36
